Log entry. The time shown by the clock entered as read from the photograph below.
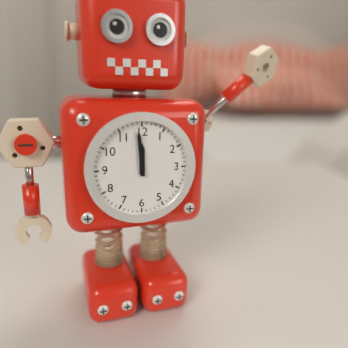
11:59
